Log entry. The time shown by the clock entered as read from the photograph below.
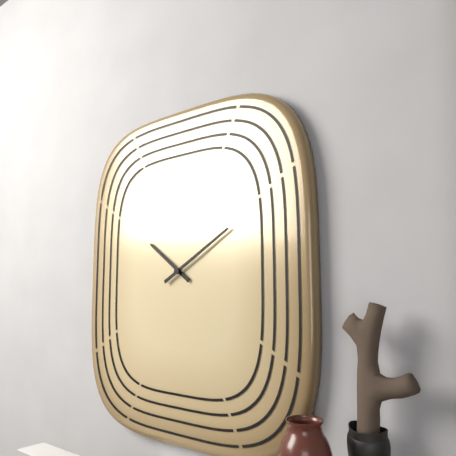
10:10
